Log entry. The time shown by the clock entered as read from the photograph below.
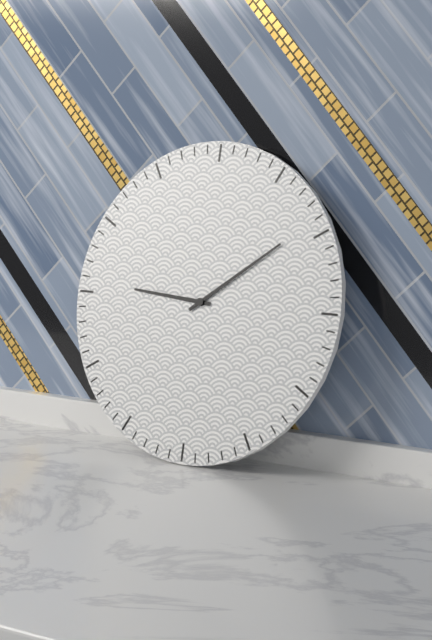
9:09
